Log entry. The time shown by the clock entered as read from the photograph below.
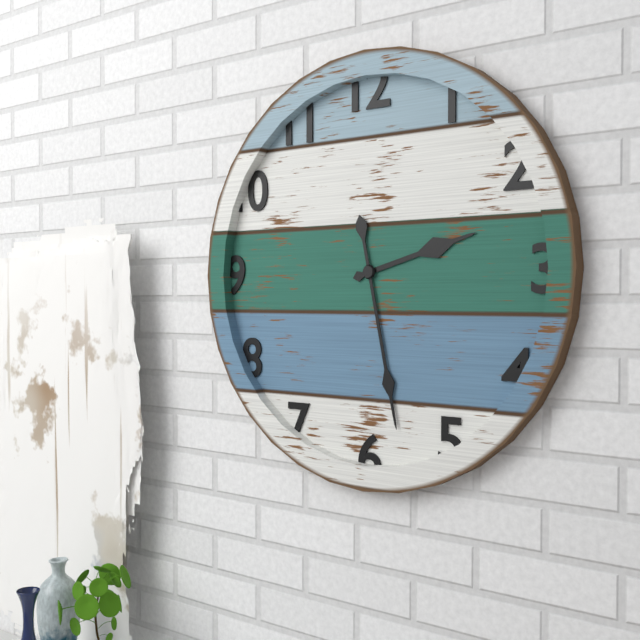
2:28
